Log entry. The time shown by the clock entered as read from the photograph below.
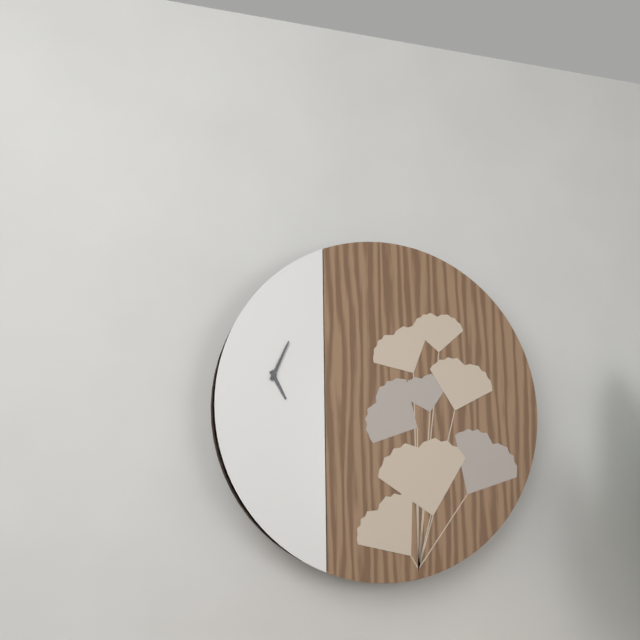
5:04
